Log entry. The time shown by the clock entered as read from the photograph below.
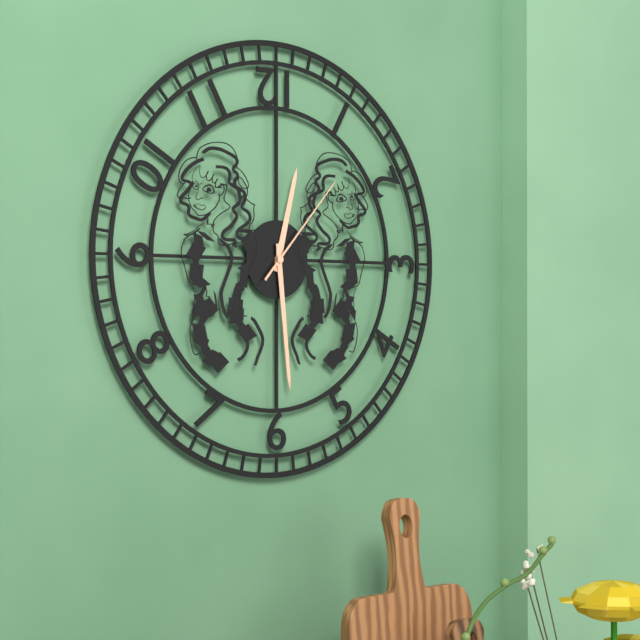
12:29:07
